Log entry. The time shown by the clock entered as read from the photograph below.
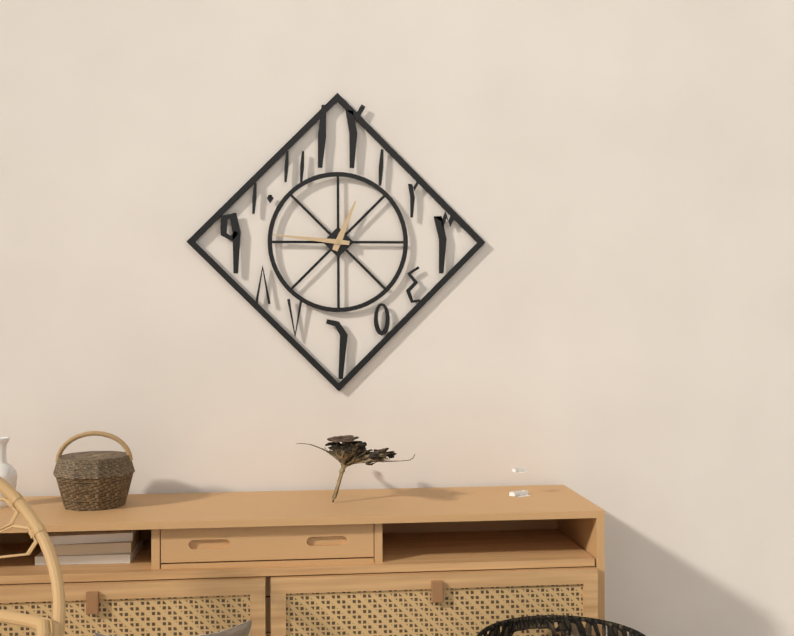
12:46
